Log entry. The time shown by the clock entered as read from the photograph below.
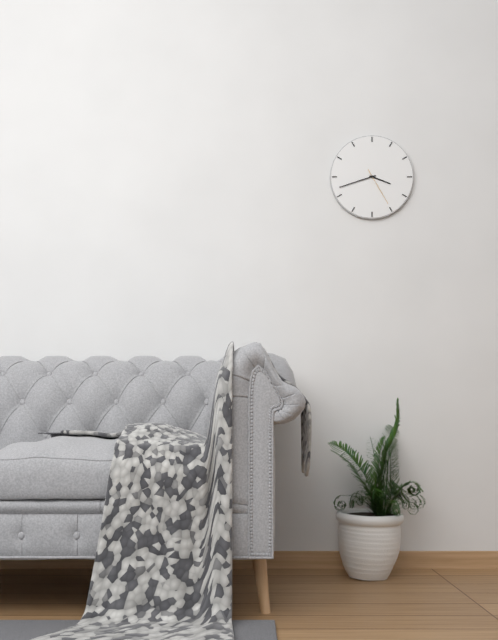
3:42
